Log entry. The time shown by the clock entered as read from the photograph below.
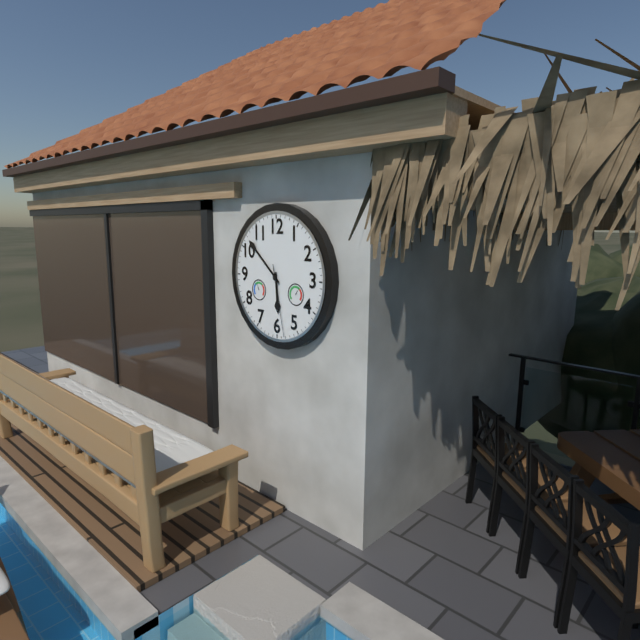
5:52:28
